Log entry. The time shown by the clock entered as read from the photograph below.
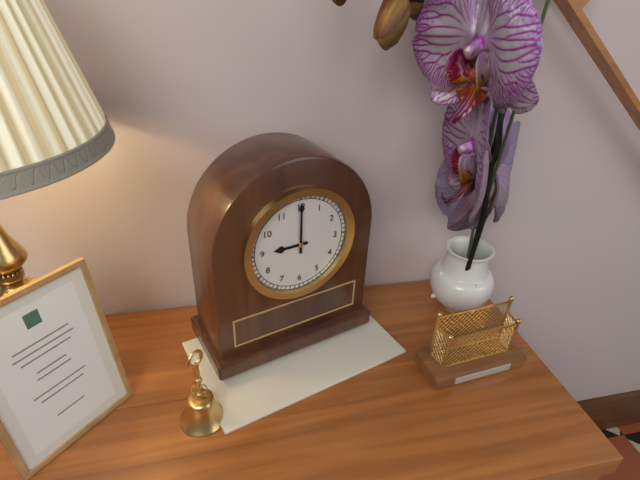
9:00
